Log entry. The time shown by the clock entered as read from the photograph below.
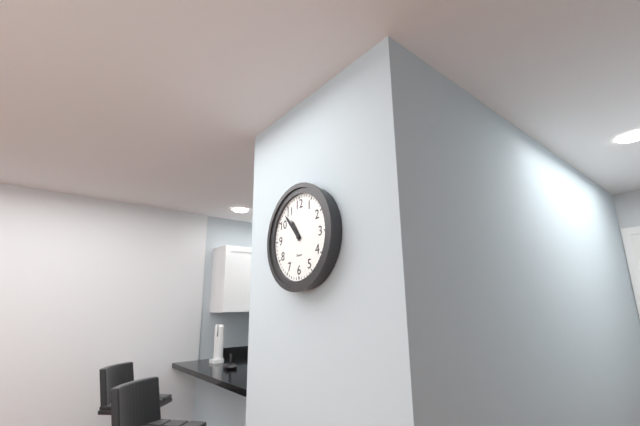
10:53
